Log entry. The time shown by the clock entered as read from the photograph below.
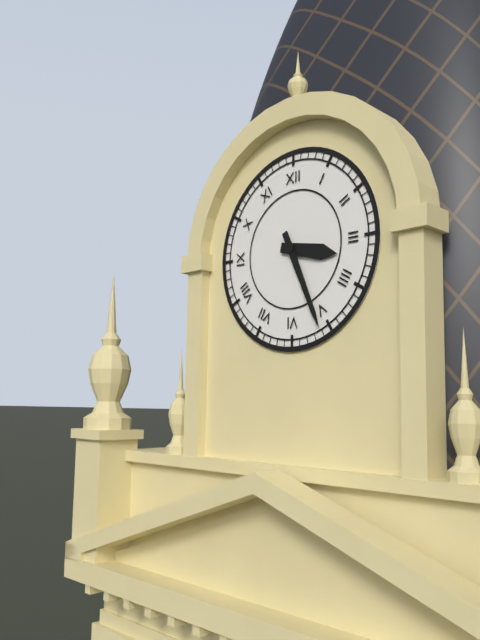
3:26
